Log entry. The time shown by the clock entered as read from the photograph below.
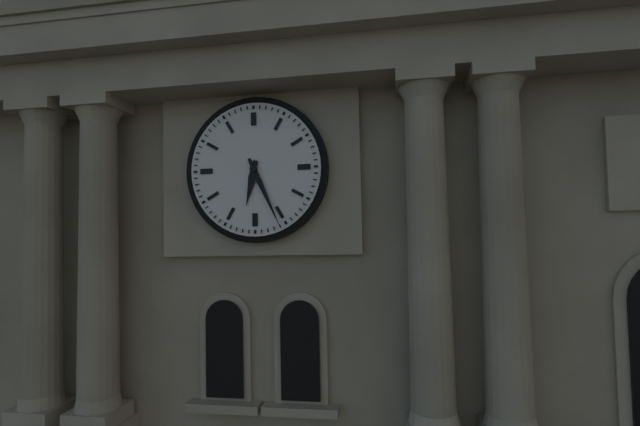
6:26
